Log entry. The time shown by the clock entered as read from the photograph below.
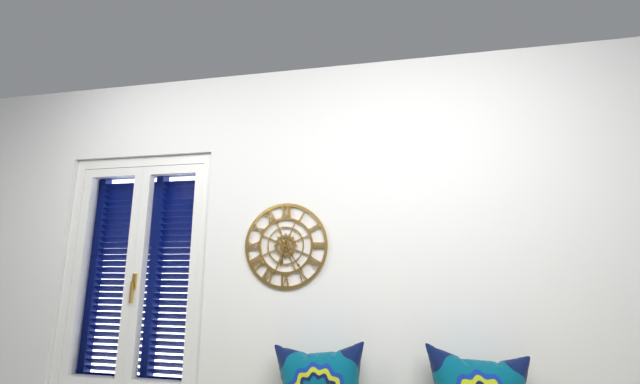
6:24
